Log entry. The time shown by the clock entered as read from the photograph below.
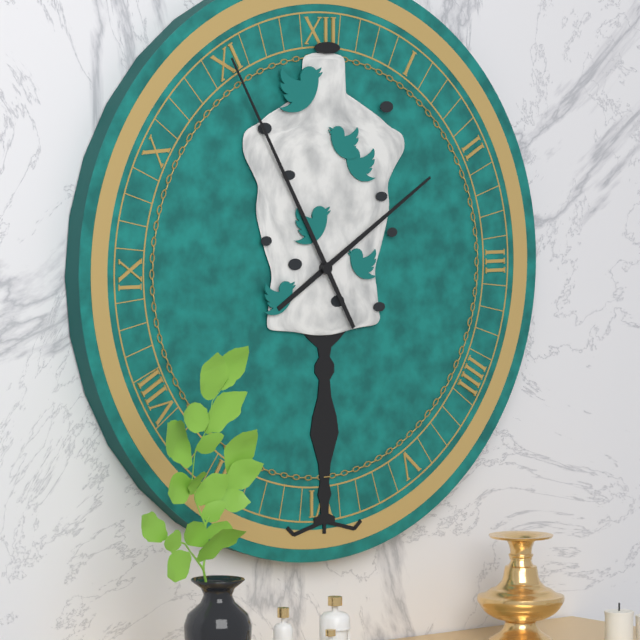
1:55
